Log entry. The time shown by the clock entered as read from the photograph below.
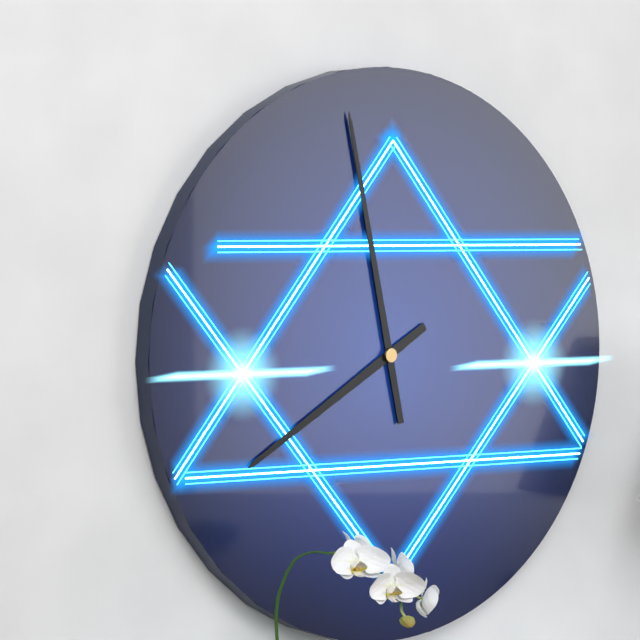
7:58
